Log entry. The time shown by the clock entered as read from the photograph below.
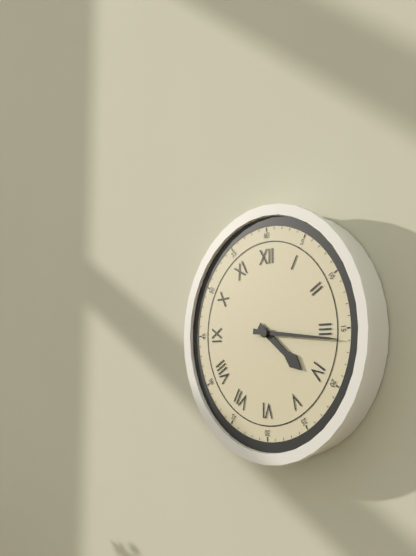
4:16
